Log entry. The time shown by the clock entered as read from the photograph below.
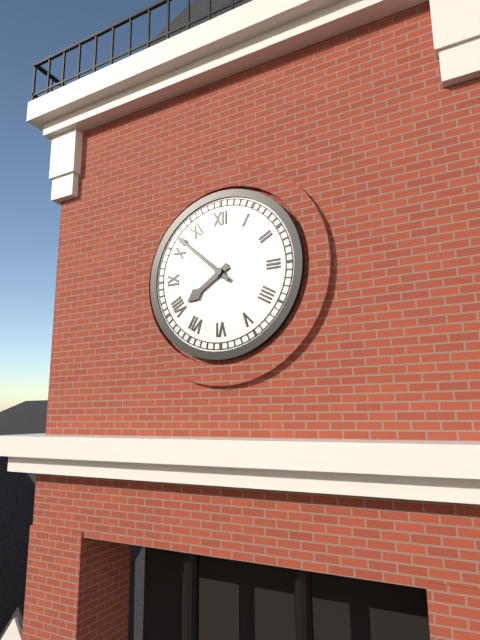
7:52
